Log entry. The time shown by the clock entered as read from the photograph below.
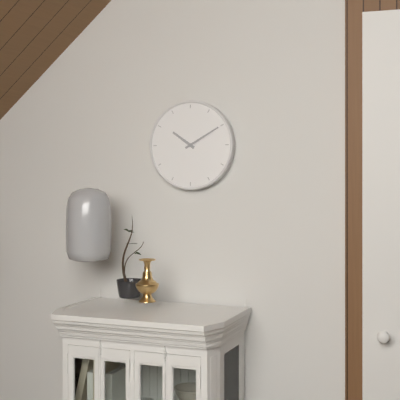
10:10
